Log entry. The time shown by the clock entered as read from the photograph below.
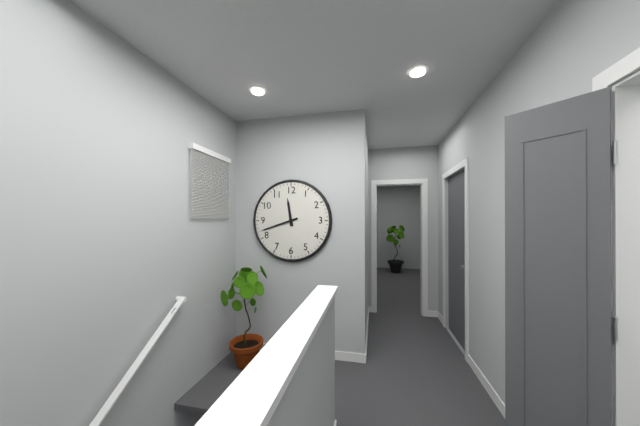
11:42
